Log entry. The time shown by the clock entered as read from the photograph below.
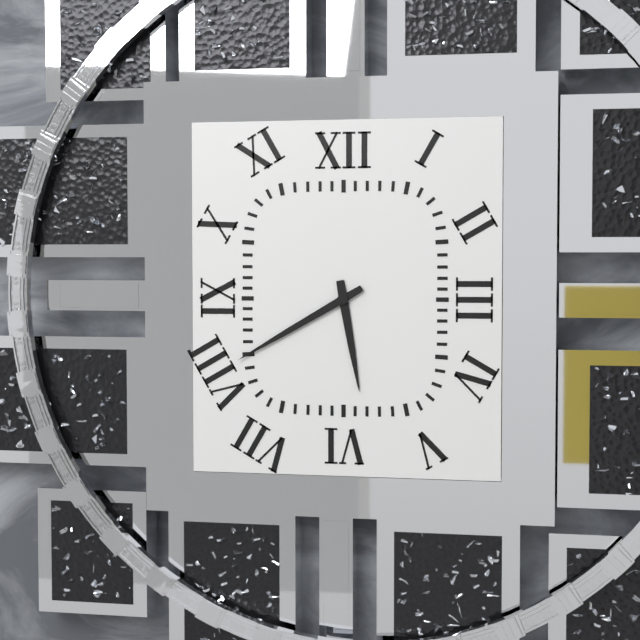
5:40
